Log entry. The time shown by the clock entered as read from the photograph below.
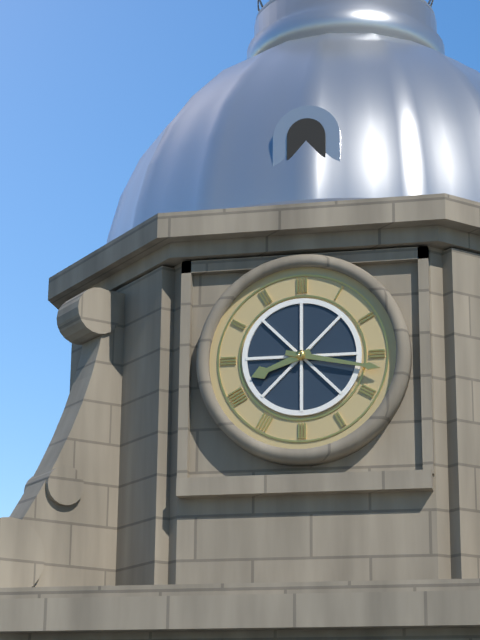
8:17
